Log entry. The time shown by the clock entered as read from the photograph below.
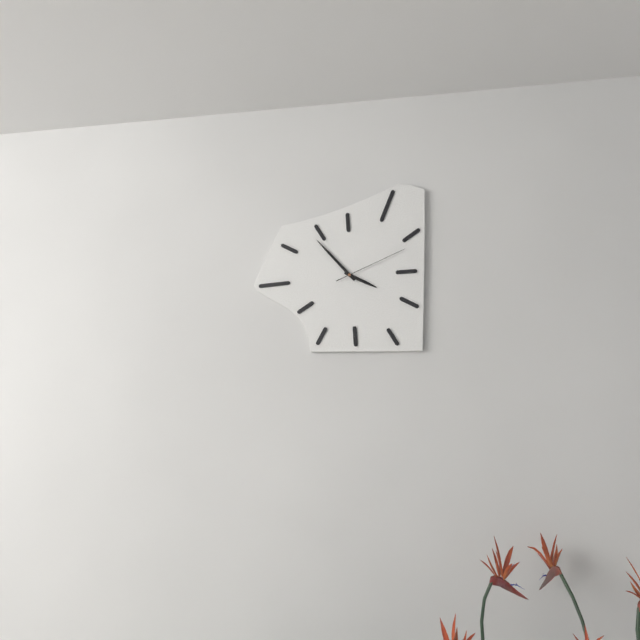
3:53:11
